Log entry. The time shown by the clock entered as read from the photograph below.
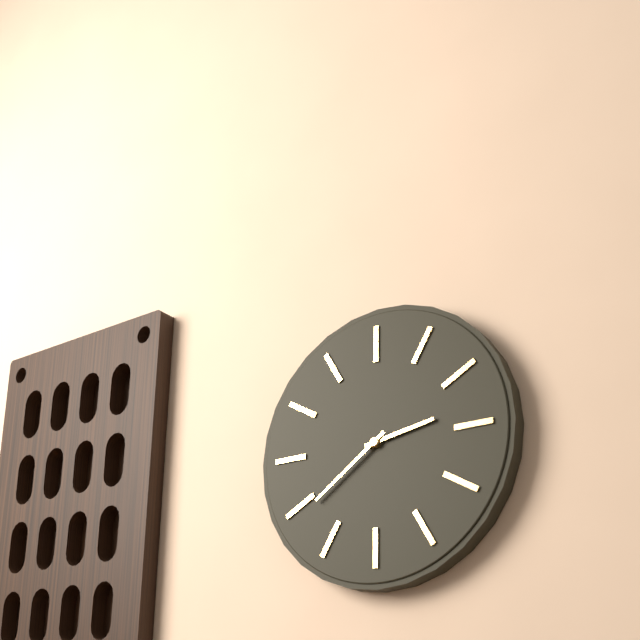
2:39
